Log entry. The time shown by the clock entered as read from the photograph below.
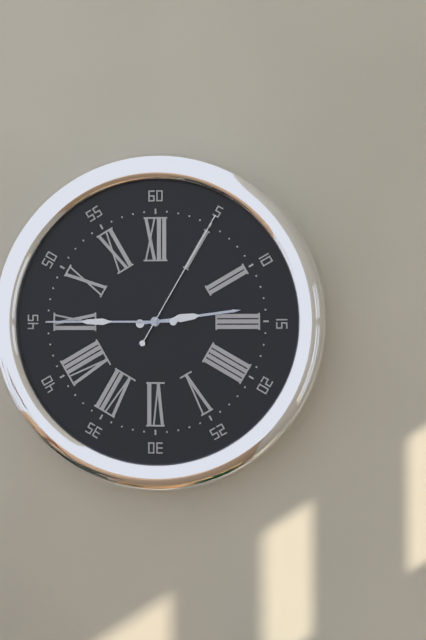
2:45:05
